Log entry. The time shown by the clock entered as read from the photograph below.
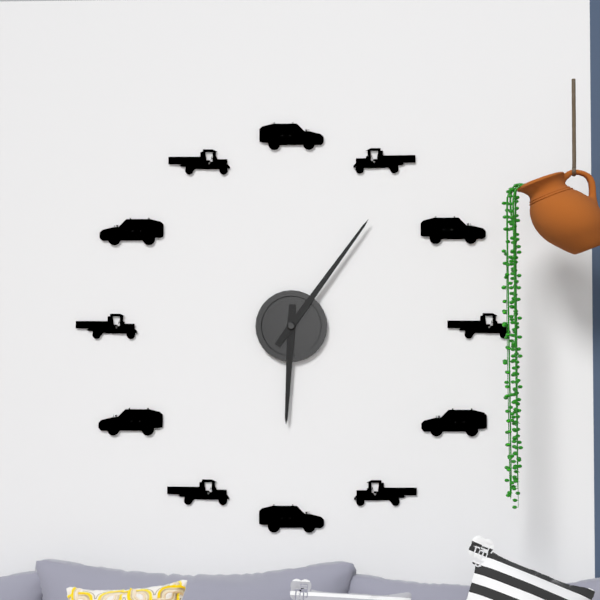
6:06
